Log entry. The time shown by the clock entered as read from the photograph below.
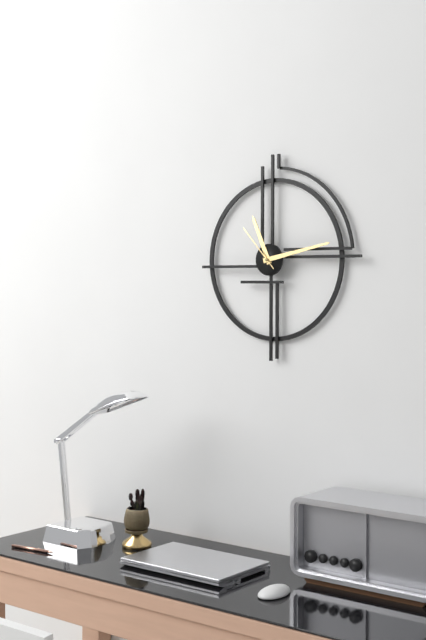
11:13
